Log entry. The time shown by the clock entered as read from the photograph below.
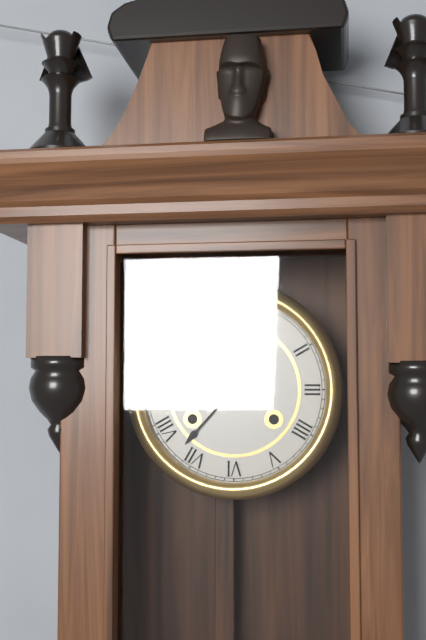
9:37
